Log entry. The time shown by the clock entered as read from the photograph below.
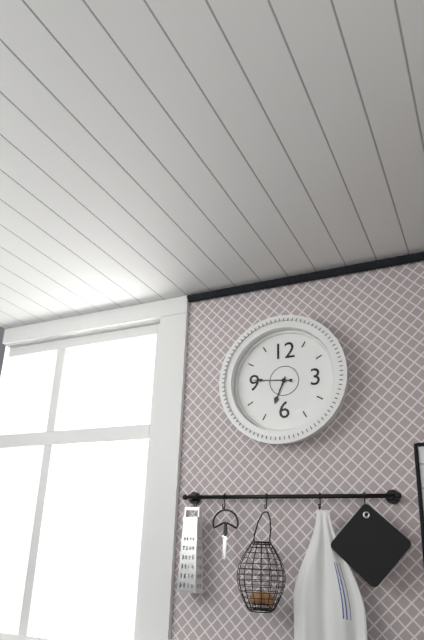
6:46
